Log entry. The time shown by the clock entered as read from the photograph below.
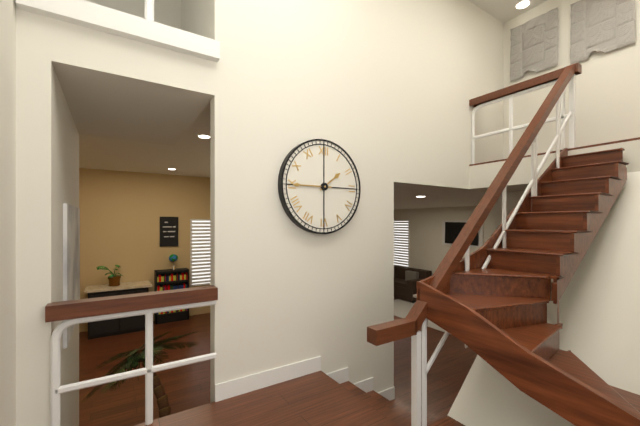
1:45
